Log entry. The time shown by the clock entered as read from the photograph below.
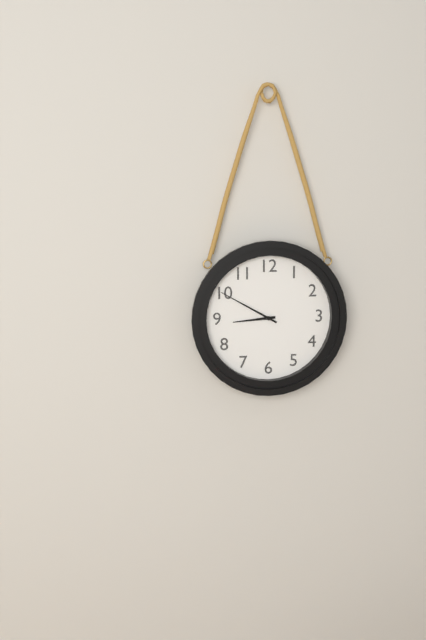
8:50
